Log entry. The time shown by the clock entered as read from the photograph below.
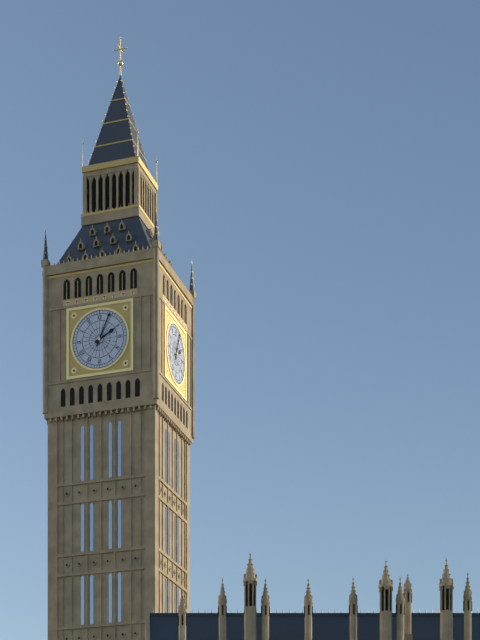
2:04
